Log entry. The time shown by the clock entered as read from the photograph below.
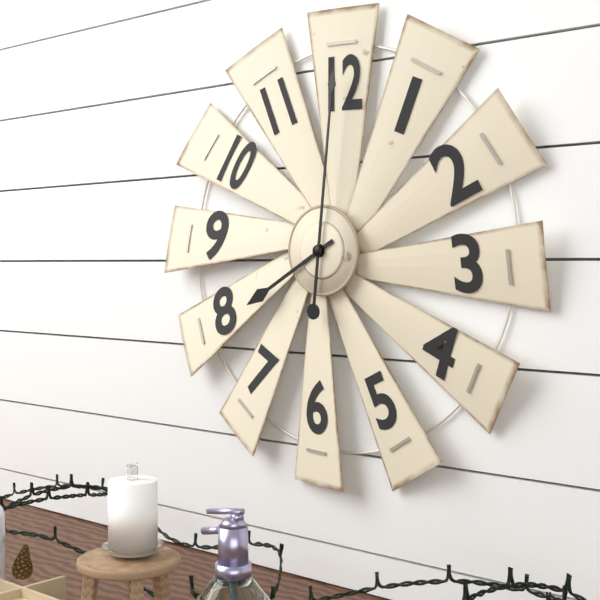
8:01
